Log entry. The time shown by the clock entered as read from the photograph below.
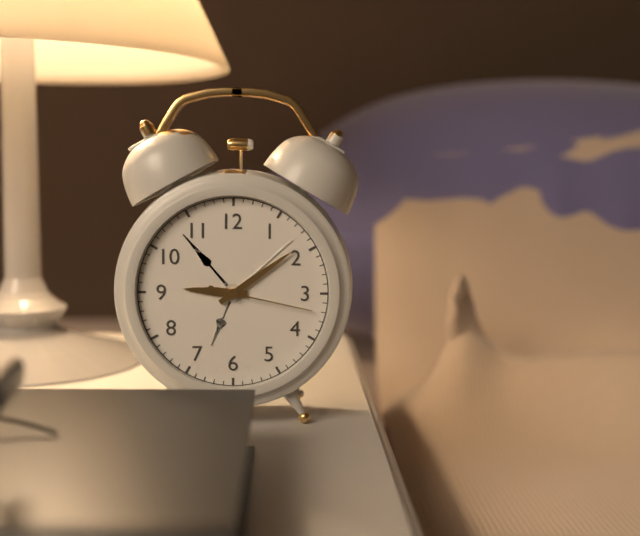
9:09:17
